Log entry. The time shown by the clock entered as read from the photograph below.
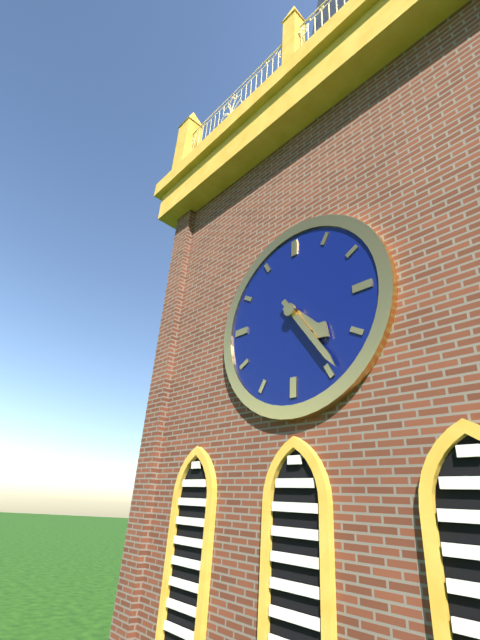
4:24
